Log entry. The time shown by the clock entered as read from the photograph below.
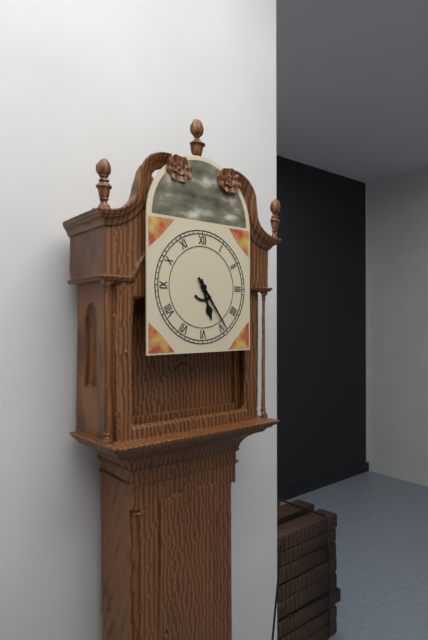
5:24
